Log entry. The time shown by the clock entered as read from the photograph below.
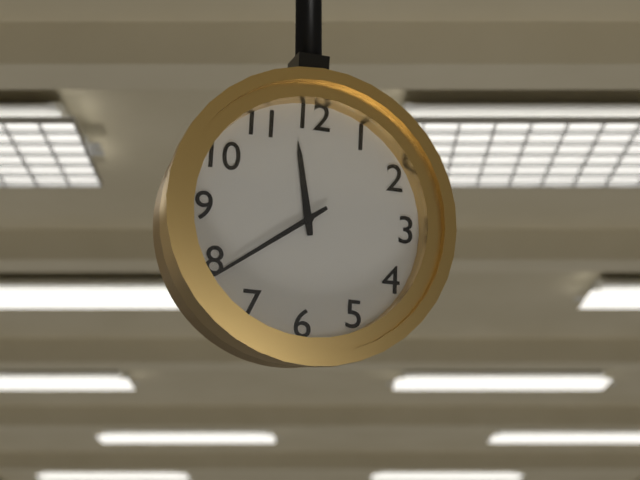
11:39
